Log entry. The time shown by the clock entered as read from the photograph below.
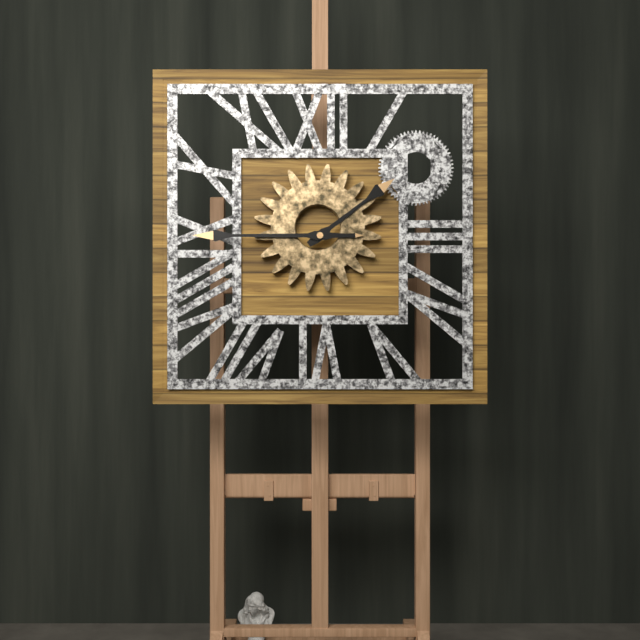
1:45
